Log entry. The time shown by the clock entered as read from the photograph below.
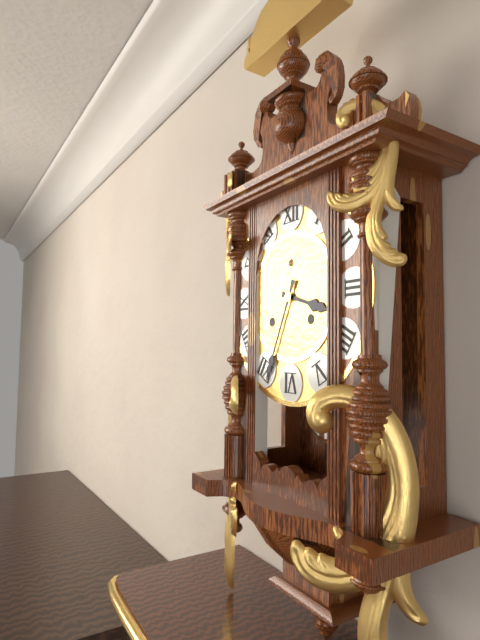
3:34
